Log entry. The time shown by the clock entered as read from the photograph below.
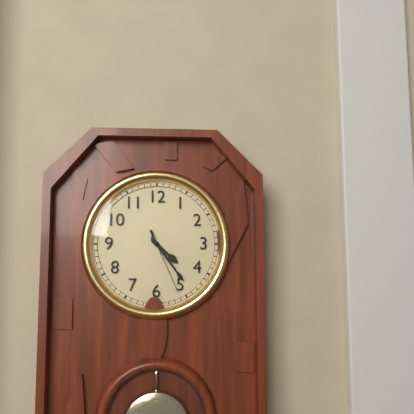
4:24:26
